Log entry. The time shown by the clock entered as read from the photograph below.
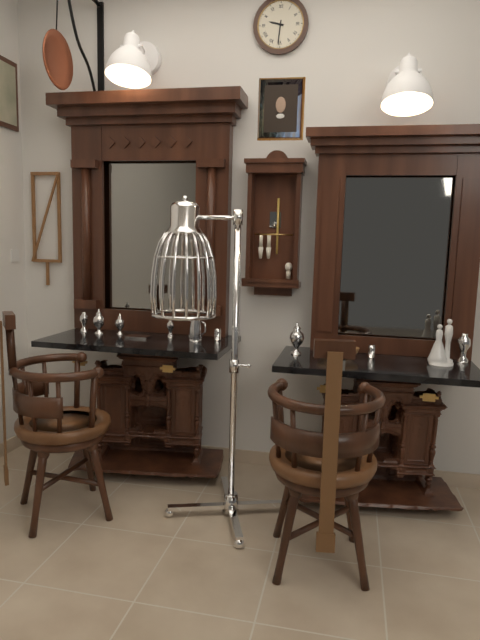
9:31
